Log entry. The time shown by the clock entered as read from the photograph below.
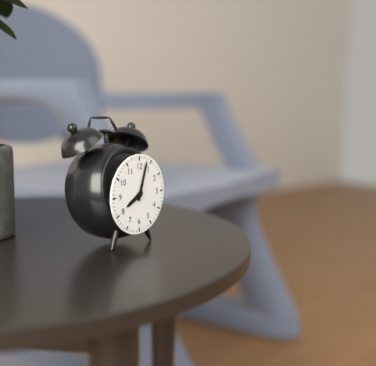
8:03
